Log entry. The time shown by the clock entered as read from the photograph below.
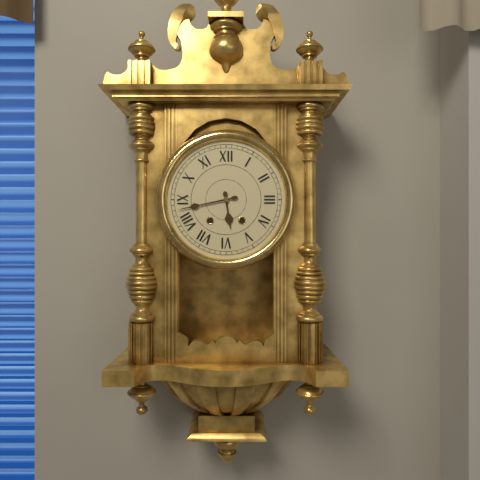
5:43
